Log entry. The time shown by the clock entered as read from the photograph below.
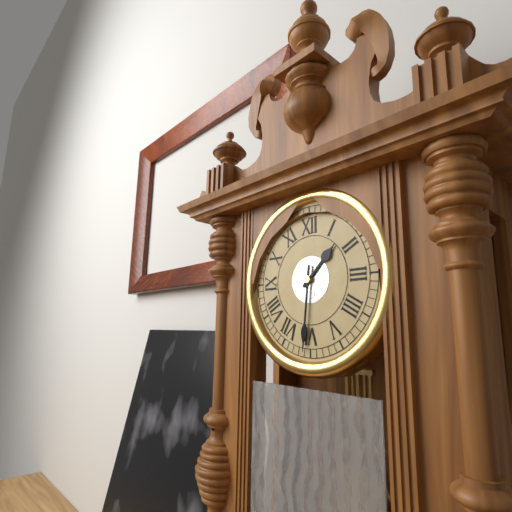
1:31
